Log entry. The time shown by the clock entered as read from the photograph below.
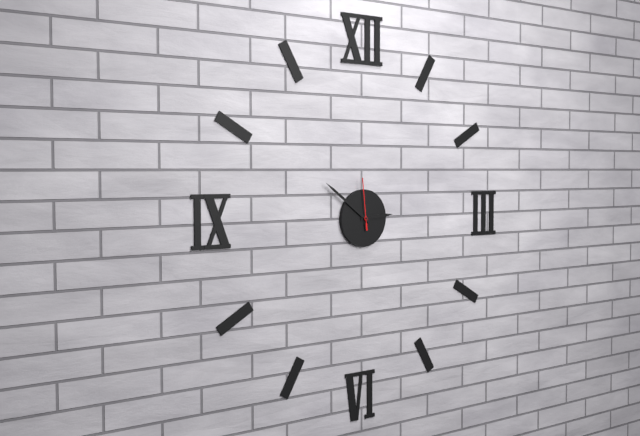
2:51
